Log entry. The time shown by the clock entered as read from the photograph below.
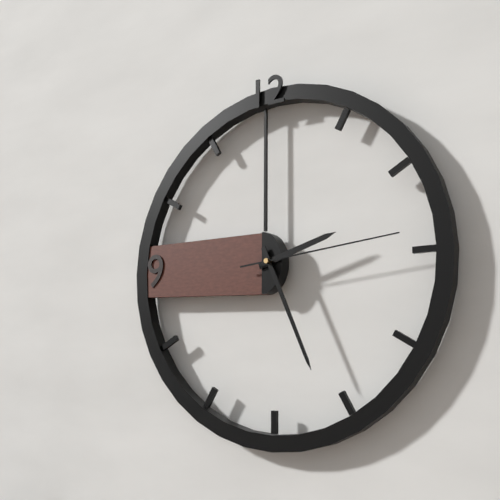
2:26:14
